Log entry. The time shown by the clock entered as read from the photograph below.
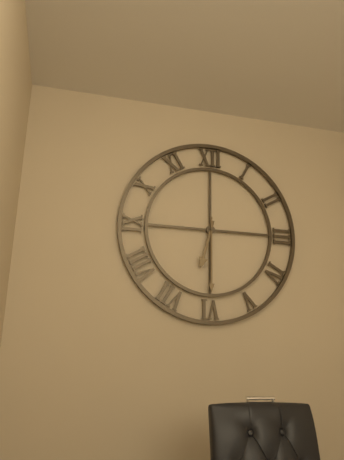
6:30
